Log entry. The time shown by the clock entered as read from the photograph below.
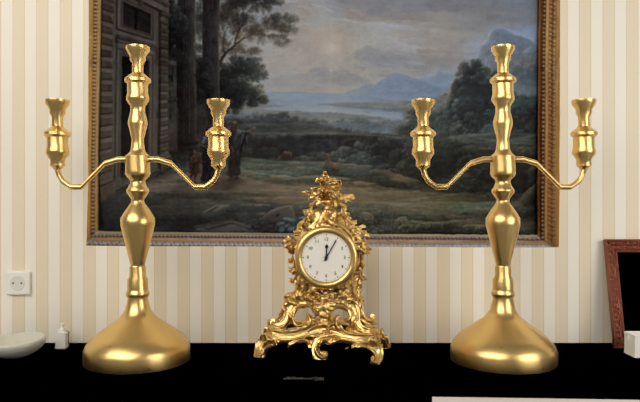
12:05
